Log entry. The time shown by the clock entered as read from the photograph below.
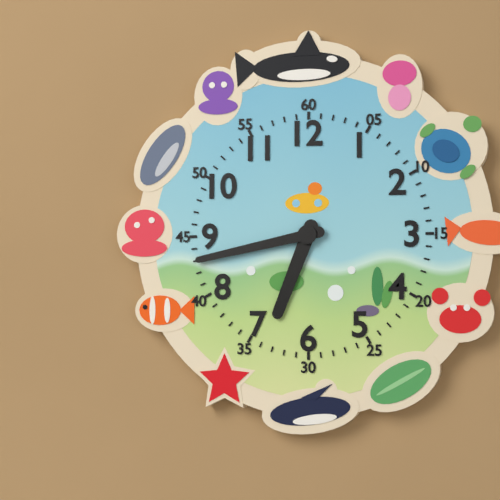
6:43
